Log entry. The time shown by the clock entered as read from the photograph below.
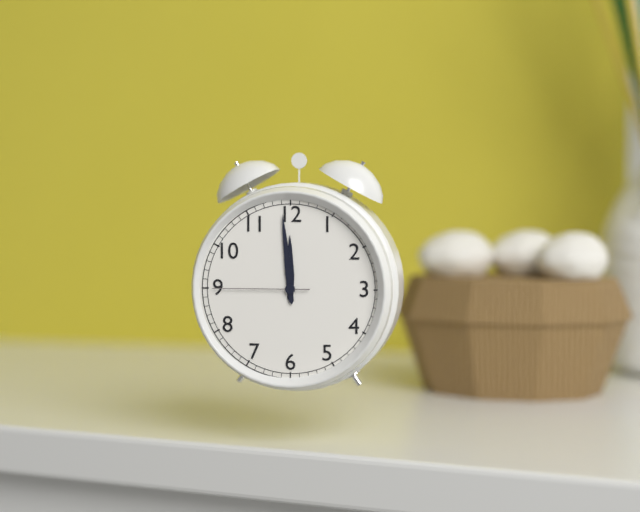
11:59:45
